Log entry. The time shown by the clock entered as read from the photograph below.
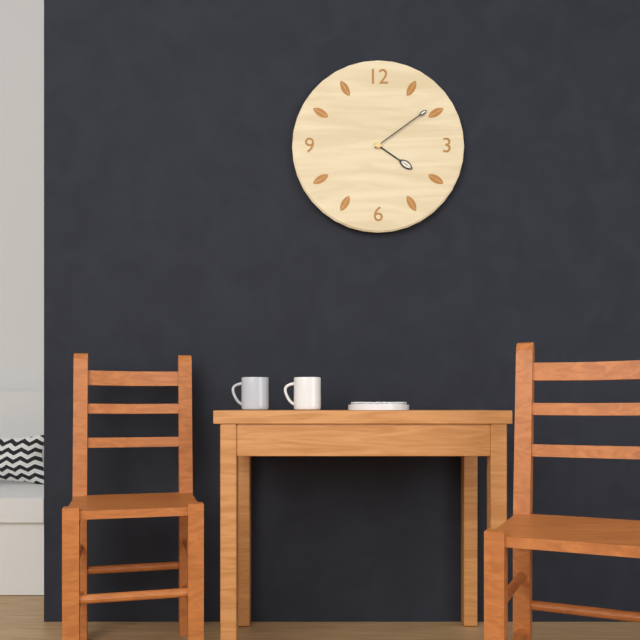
4:09
